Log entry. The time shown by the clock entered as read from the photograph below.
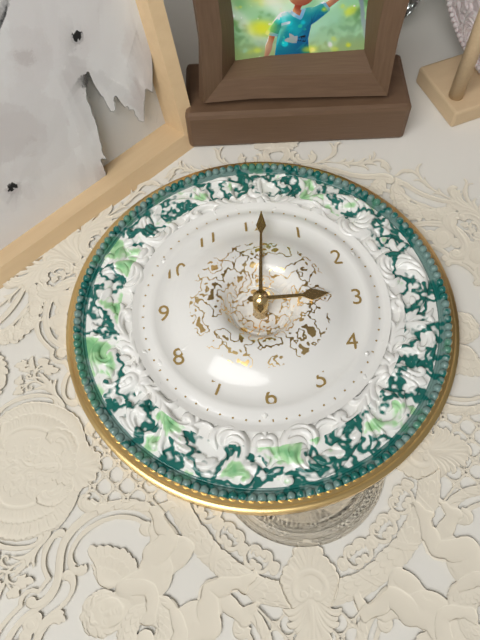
3:01
